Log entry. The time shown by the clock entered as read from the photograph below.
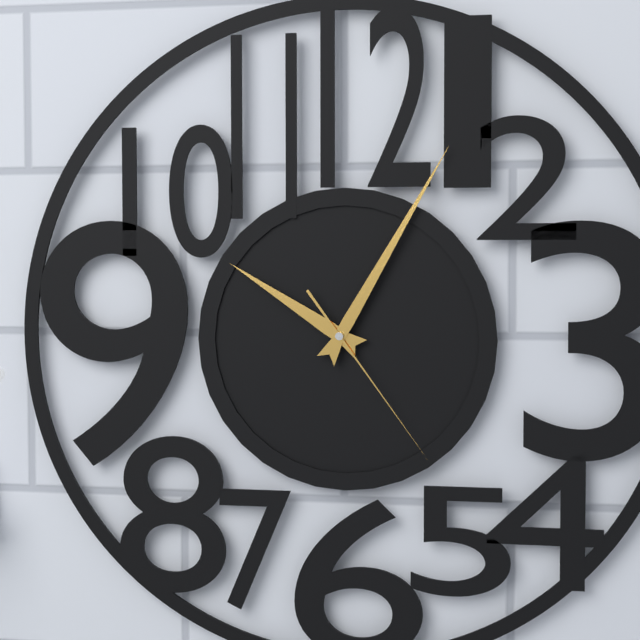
10:05:24
